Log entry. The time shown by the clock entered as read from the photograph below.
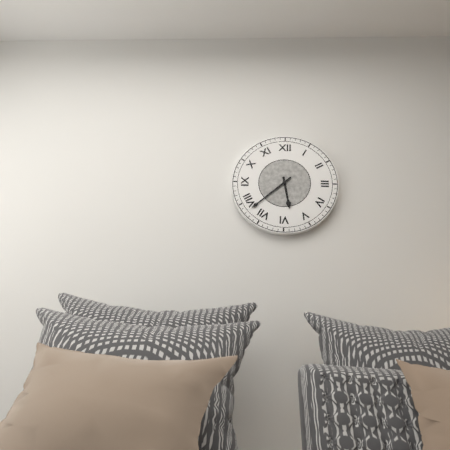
5:38
